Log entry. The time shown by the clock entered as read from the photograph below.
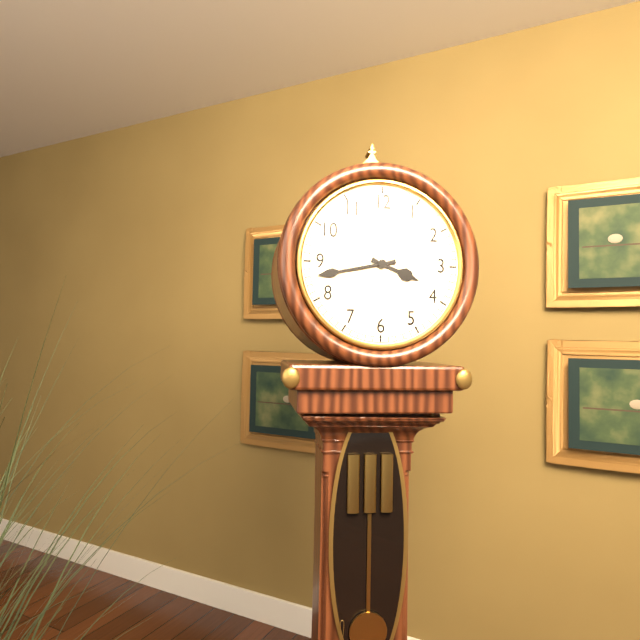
3:43
